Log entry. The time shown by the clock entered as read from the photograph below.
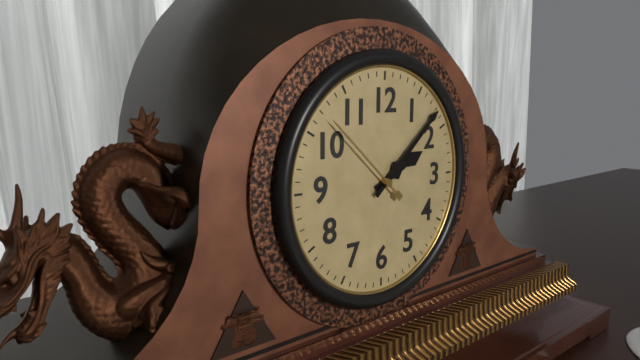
2:08:52
